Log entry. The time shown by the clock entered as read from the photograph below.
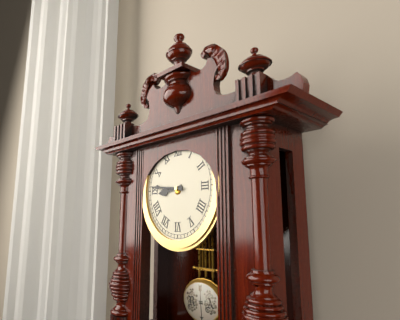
8:46
